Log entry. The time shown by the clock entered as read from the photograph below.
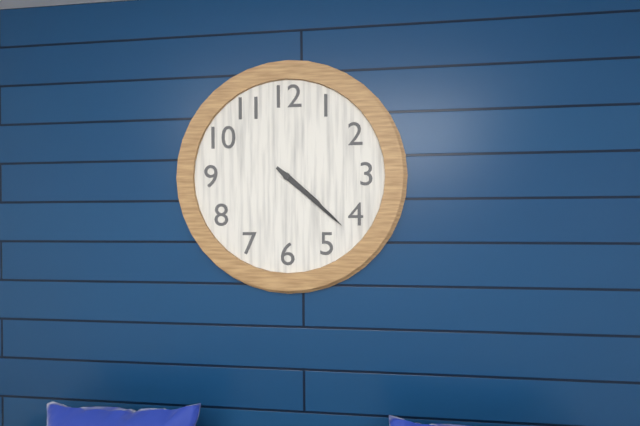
4:22
